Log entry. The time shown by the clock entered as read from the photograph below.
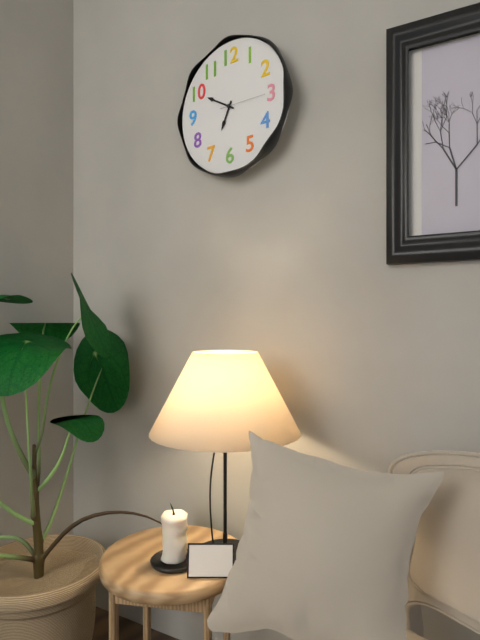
6:50
